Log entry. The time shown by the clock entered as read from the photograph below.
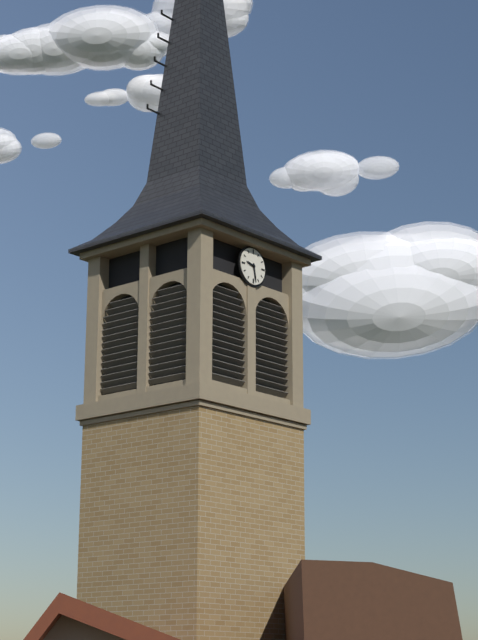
9:28
